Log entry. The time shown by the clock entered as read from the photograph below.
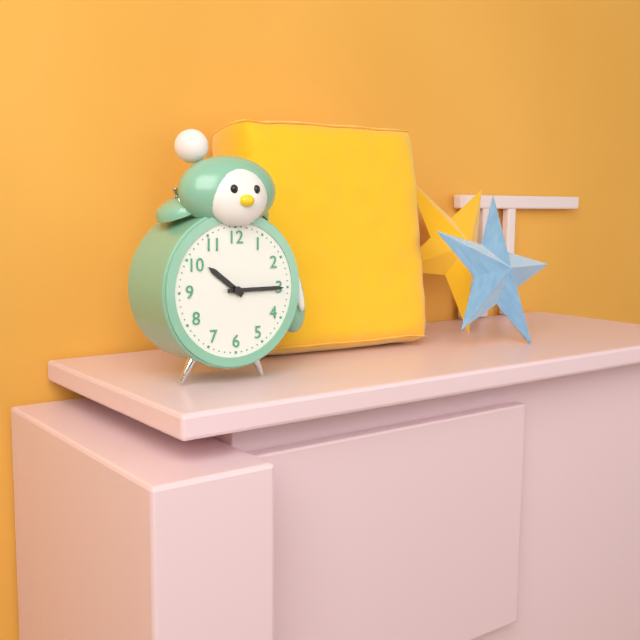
10:15
